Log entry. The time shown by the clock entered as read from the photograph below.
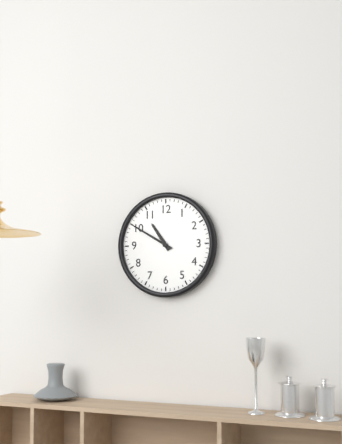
10:50
